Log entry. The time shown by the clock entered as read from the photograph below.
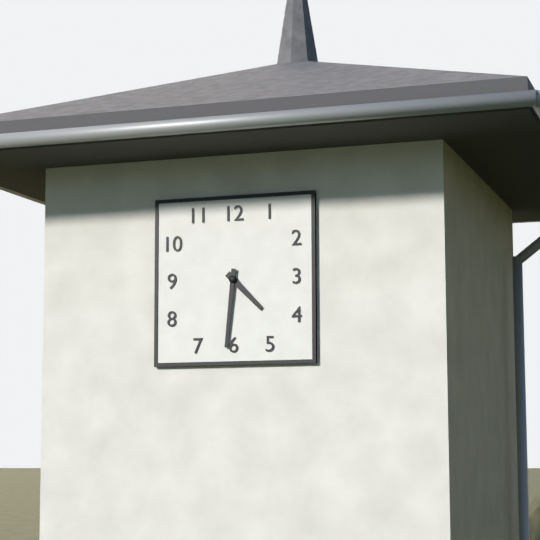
4:31
